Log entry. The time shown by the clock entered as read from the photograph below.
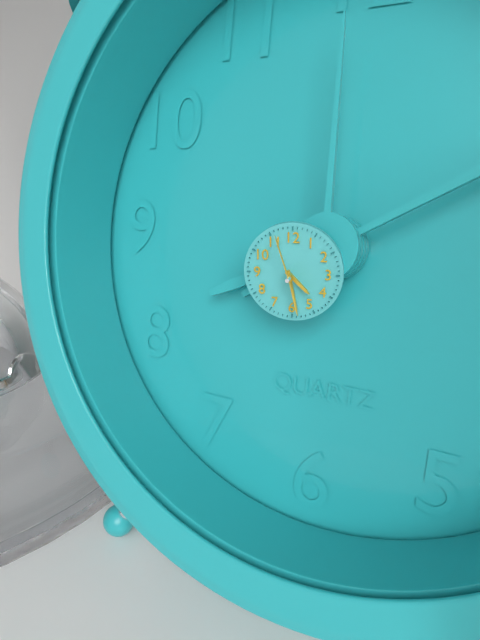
4:28:57
